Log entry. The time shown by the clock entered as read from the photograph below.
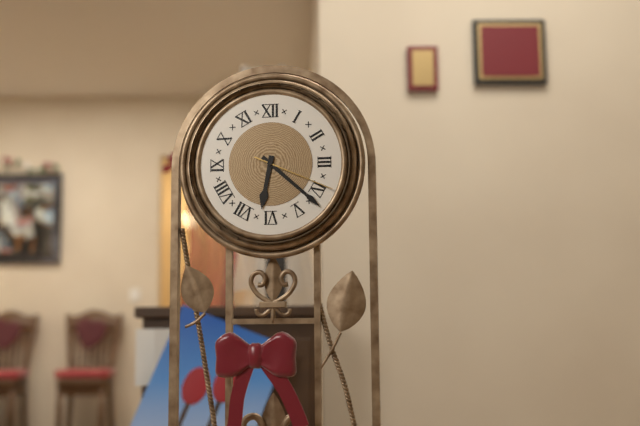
6:22:19
